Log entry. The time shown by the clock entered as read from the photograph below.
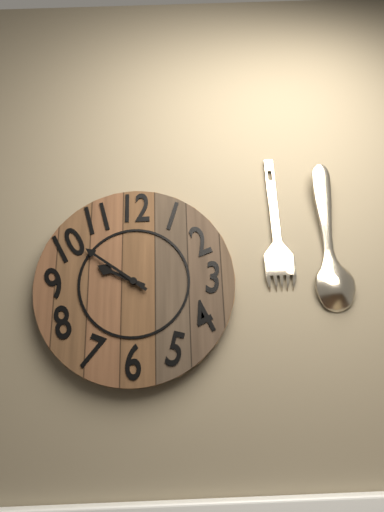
9:51
